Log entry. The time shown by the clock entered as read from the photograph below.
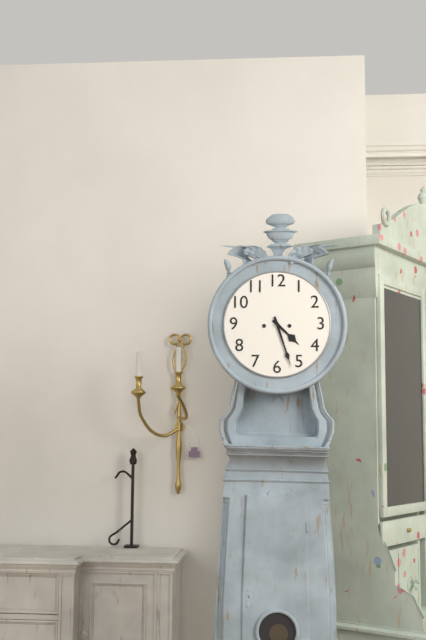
4:27
